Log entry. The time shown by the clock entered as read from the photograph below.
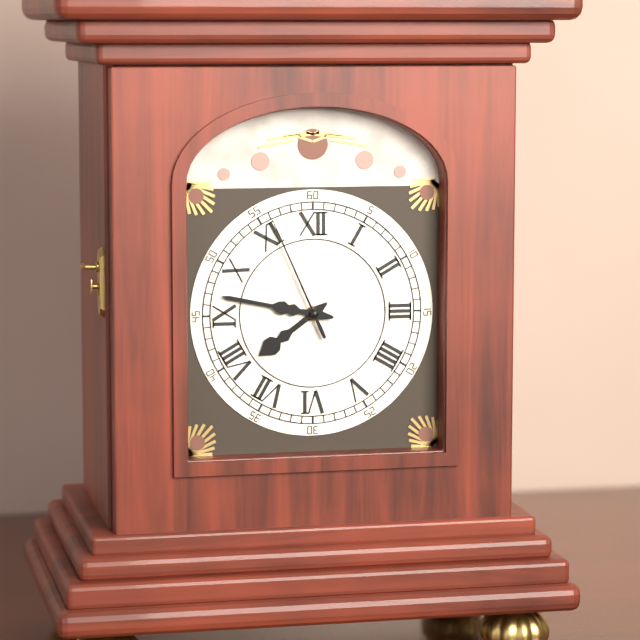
7:47:56
